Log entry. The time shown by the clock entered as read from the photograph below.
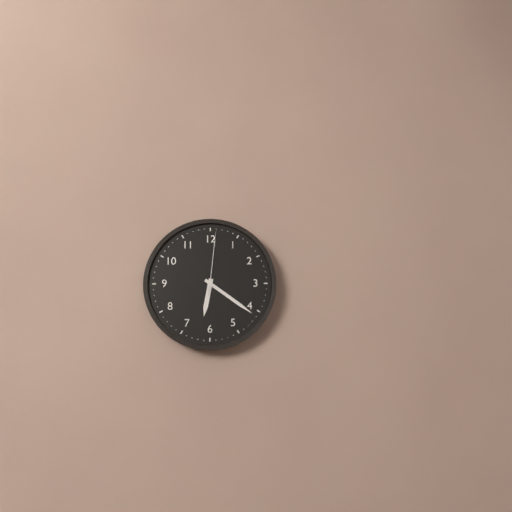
6:21:01
